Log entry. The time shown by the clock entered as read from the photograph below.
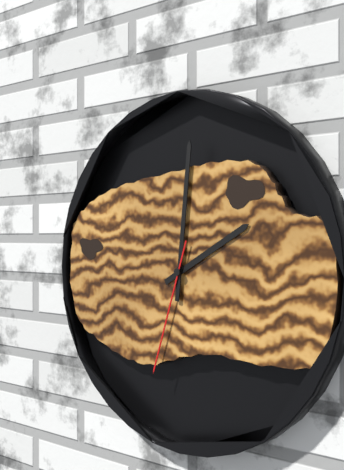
2:01:33
